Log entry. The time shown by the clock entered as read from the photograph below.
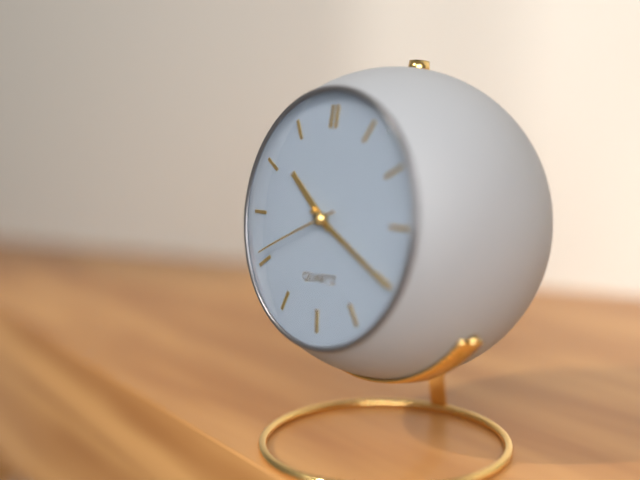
10:20:41
